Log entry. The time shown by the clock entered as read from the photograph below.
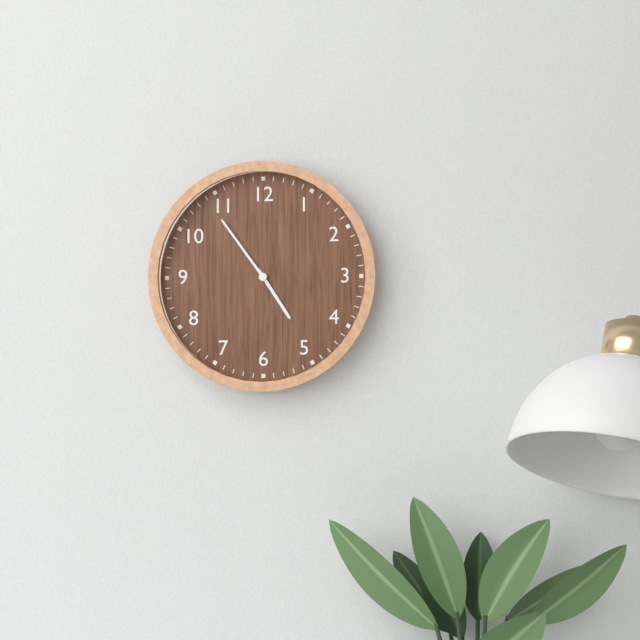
4:54
